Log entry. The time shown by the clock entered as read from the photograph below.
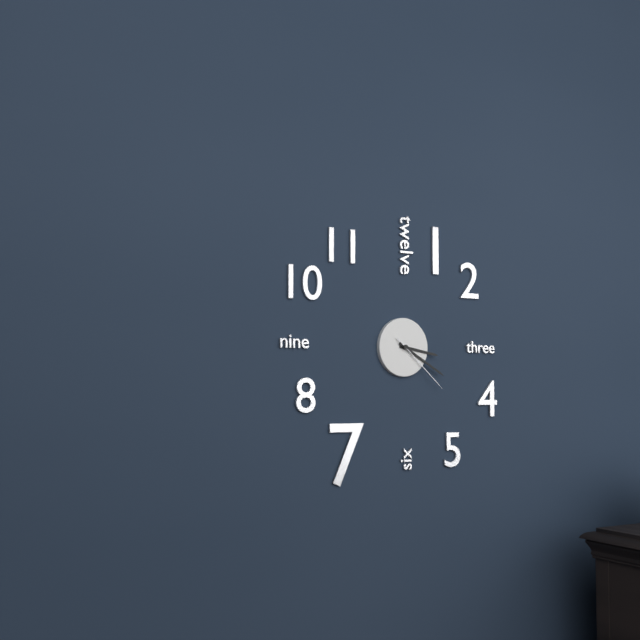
3:20:22
